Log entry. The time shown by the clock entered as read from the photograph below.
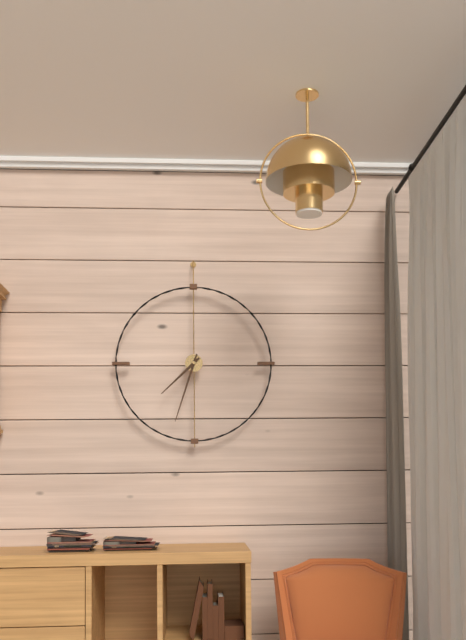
7:33
